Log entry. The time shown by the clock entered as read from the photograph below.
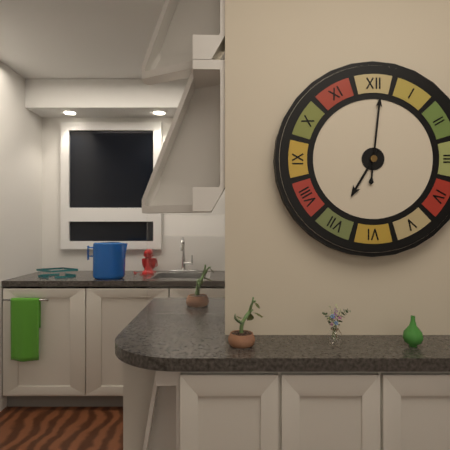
7:01
